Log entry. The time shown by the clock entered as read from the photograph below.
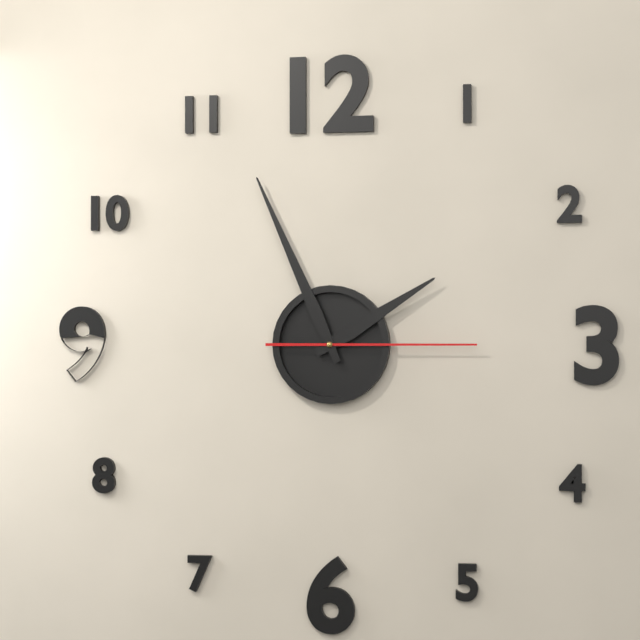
1:56:15
